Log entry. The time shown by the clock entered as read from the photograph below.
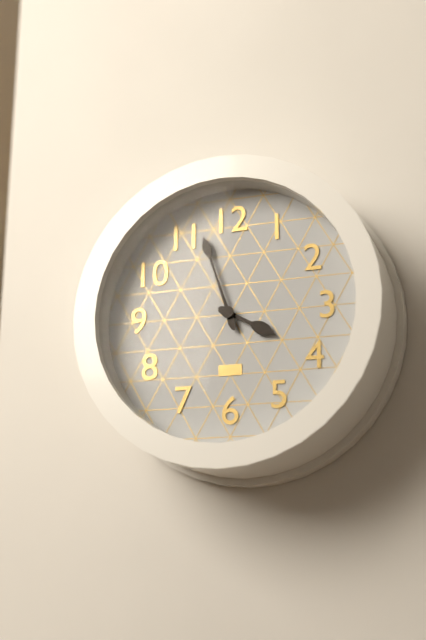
3:57
